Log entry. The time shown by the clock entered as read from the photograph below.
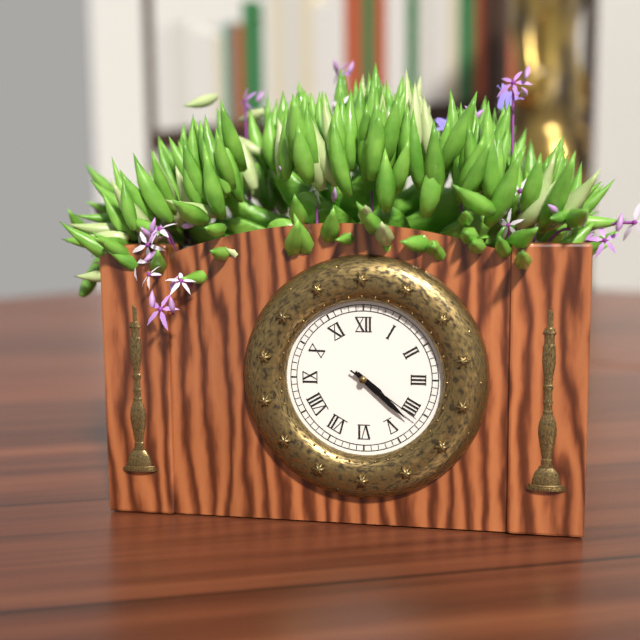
4:22:21
